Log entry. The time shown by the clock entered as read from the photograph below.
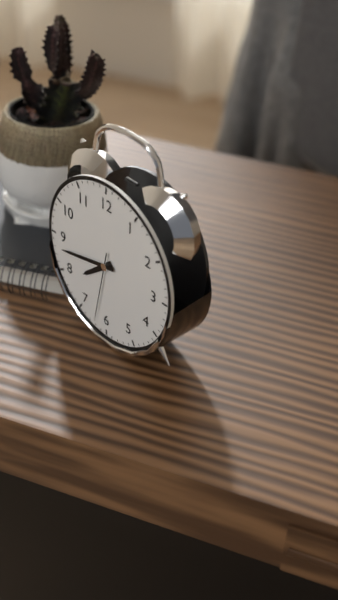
7:43:32
